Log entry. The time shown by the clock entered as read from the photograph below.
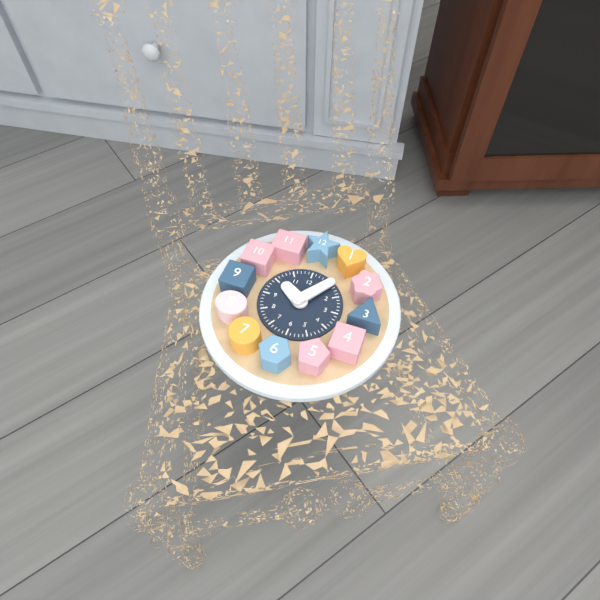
10:06
